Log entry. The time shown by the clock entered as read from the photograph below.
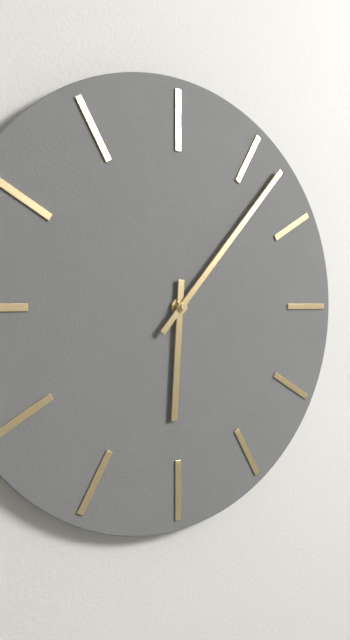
6:07
